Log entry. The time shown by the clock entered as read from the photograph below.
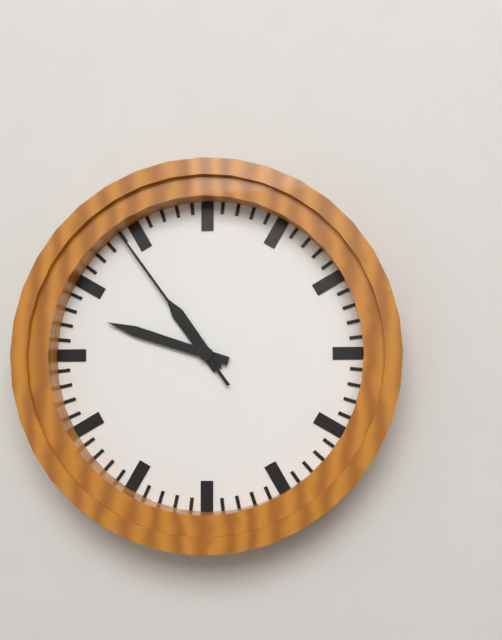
10:48:54
